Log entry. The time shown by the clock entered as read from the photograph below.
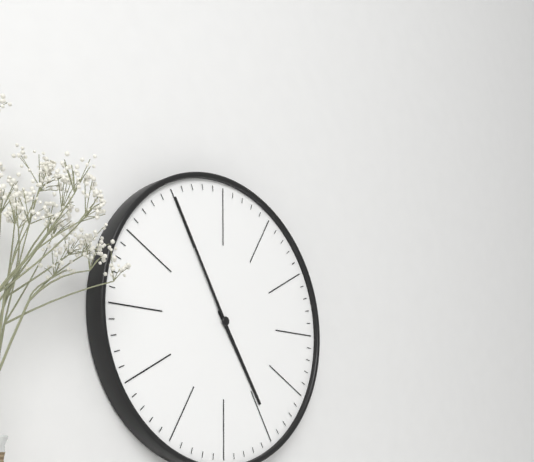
4:55
